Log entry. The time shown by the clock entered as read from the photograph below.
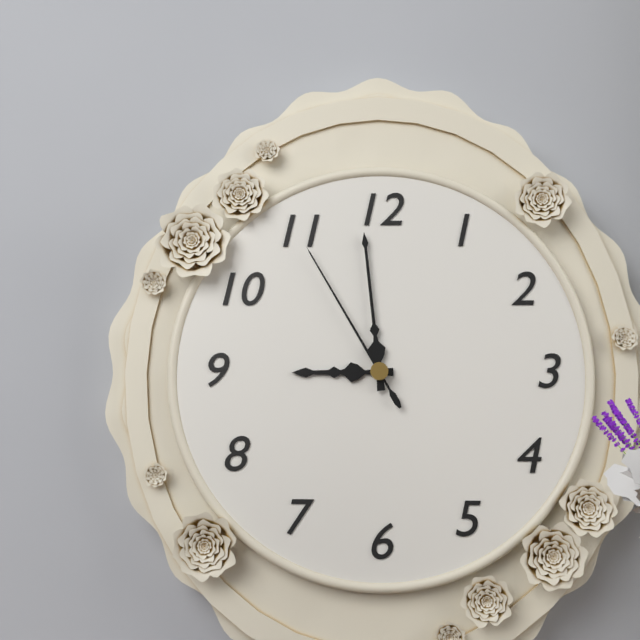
8:59:55
